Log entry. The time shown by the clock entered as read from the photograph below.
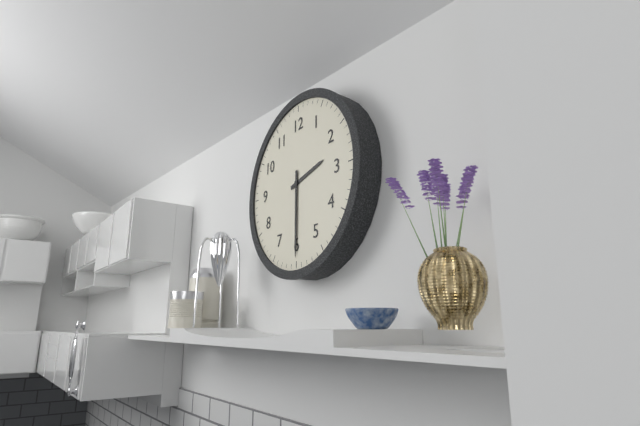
2:30
